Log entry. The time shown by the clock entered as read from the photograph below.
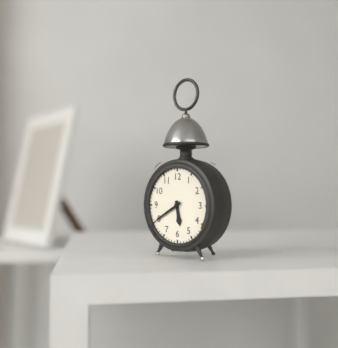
5:40
